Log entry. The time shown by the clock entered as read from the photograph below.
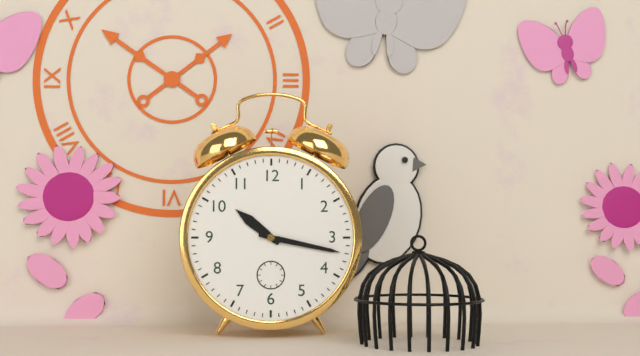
10:17
